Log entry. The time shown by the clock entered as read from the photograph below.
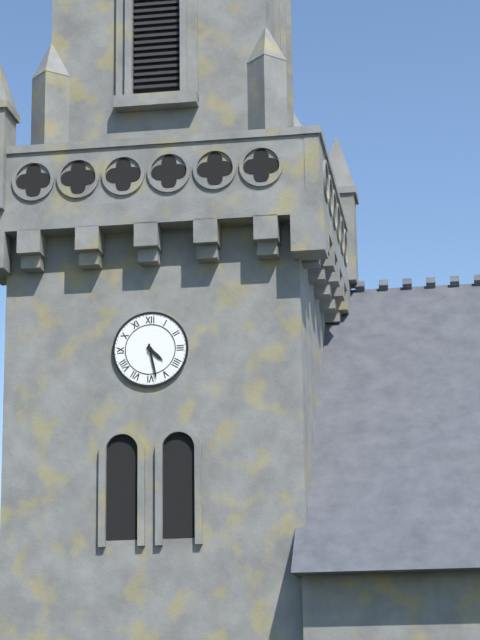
4:28
